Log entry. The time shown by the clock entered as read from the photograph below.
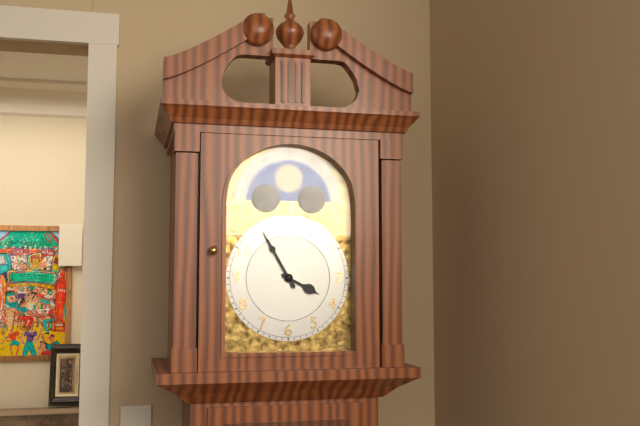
3:55
